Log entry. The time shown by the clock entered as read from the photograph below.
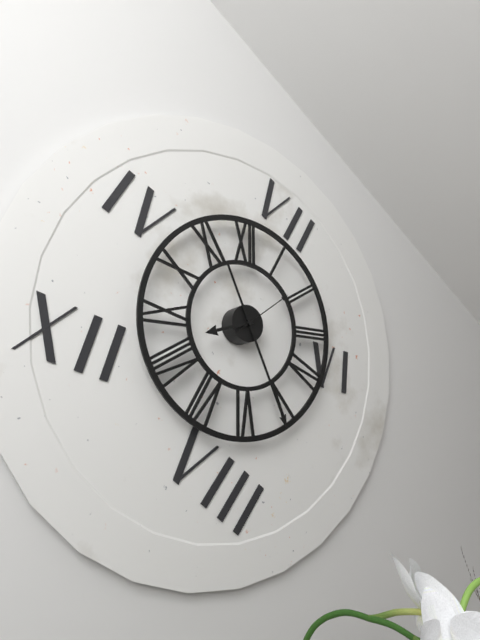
8:26:09
